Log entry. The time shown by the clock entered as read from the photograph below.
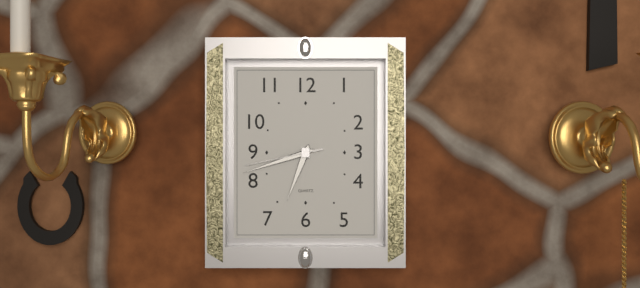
6:42:43
